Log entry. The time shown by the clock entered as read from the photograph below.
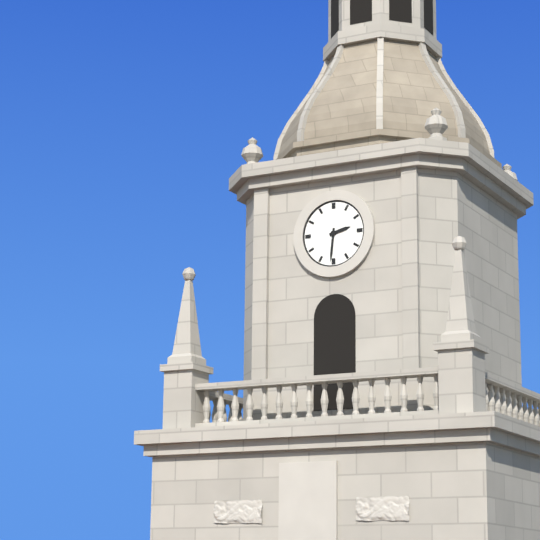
2:31
